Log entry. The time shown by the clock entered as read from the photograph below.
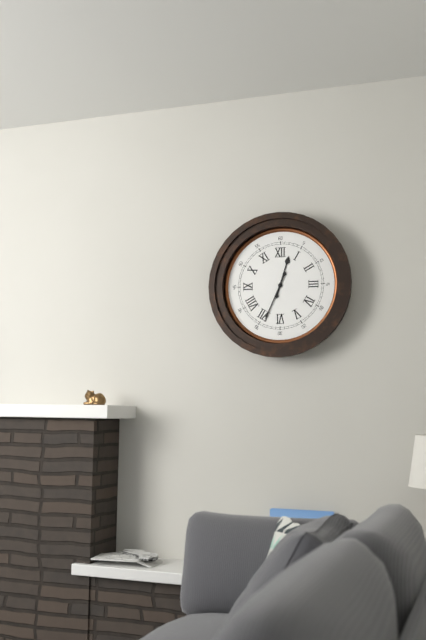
12:34
